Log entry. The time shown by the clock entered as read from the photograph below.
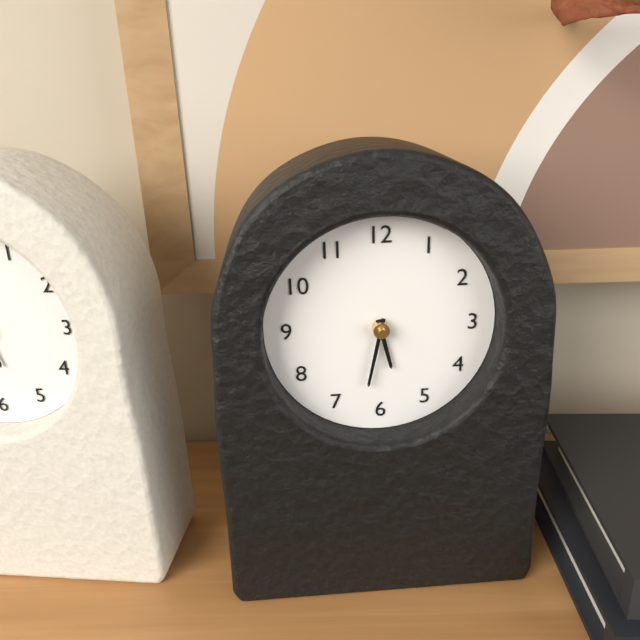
5:32
